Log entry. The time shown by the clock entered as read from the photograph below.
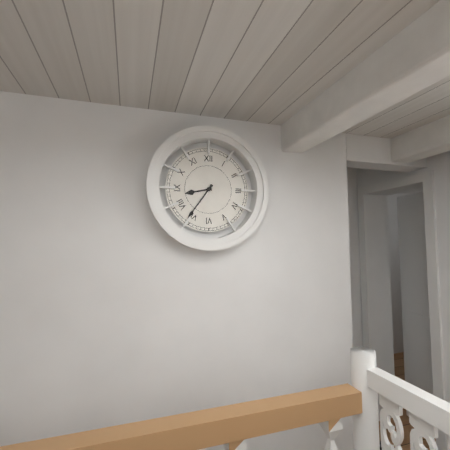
8:36
